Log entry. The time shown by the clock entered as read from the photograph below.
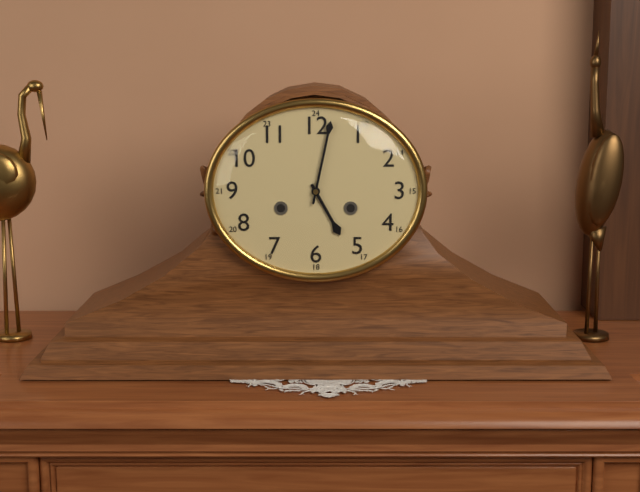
5:02
